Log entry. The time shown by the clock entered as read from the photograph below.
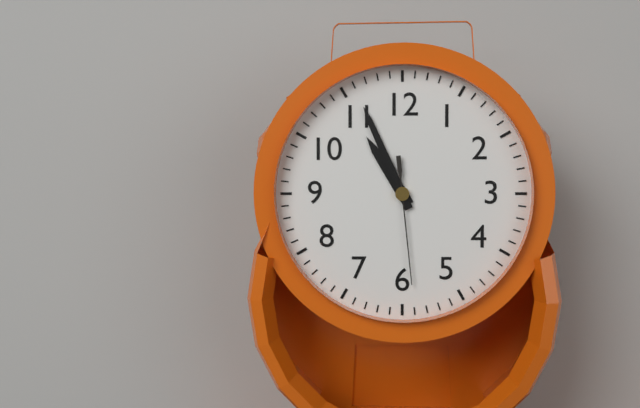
10:56:29
